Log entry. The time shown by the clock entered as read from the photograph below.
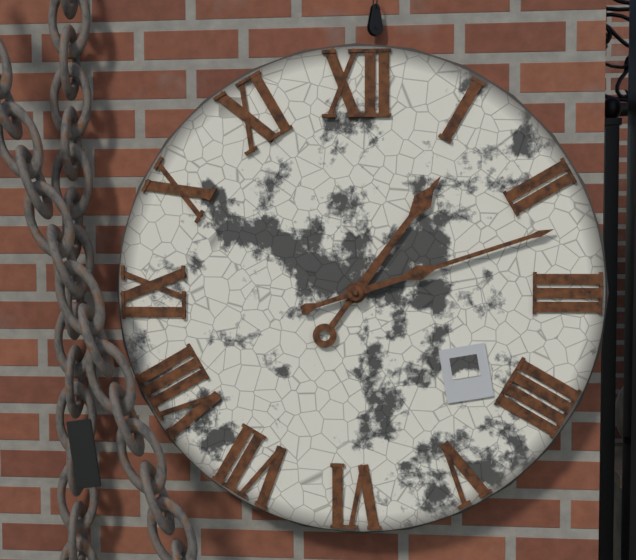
1:12
